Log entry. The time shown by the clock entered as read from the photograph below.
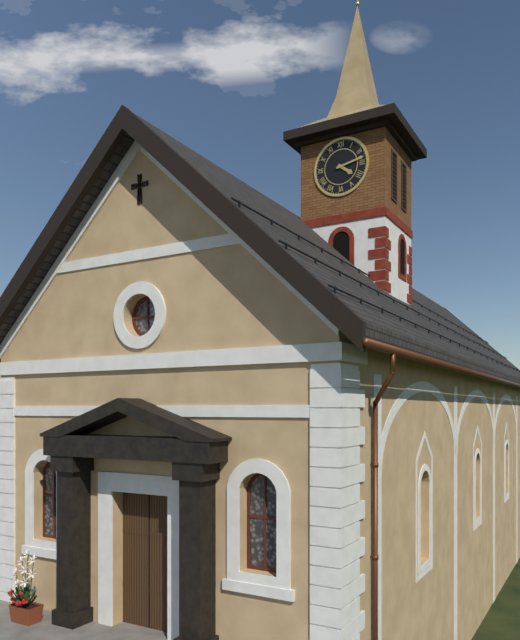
4:13
